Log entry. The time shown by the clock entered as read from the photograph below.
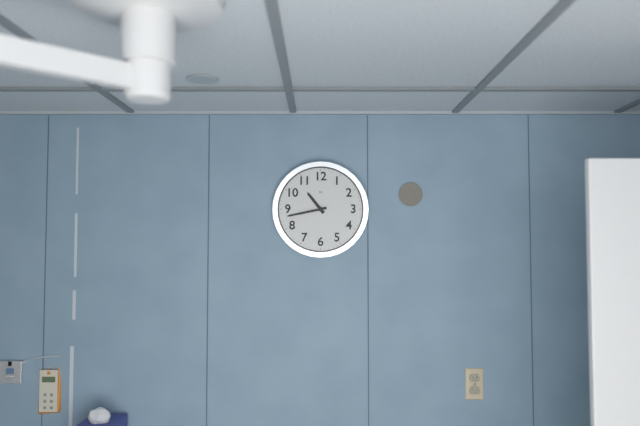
10:43
